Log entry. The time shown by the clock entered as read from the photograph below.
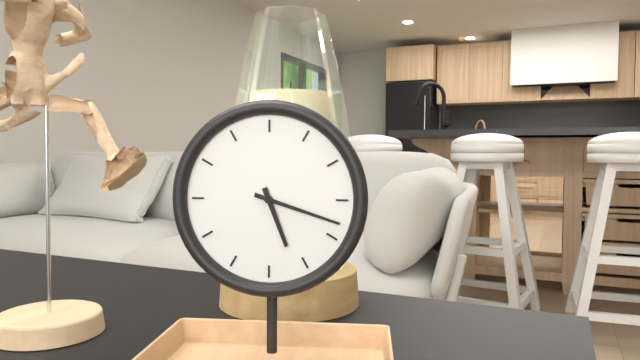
5:18
